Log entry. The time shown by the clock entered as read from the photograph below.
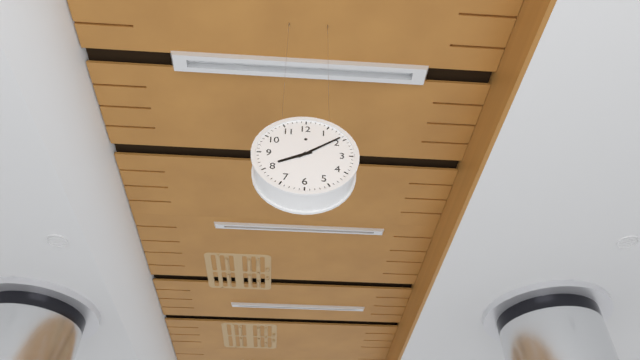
8:09
